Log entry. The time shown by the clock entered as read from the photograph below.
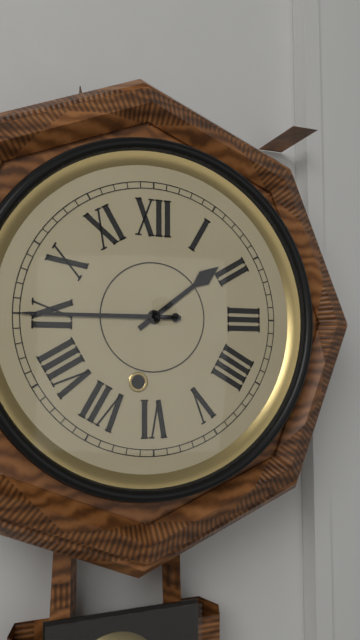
1:45
